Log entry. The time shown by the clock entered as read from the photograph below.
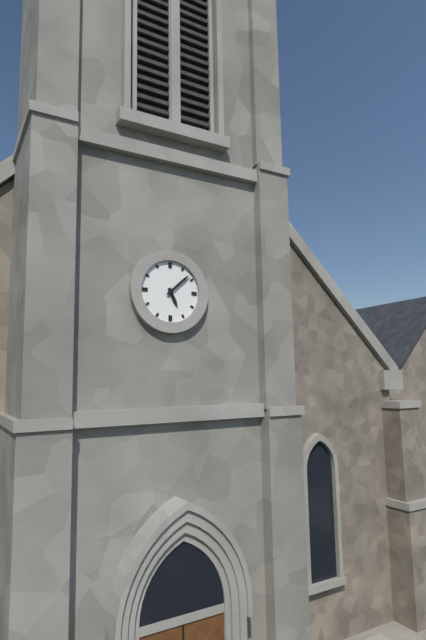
5:08
